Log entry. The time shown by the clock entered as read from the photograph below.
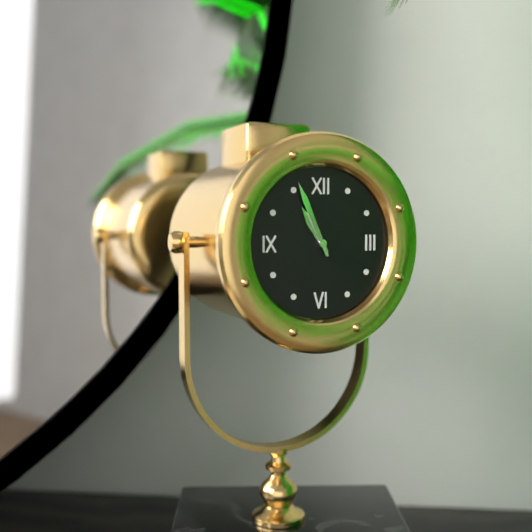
10:56
